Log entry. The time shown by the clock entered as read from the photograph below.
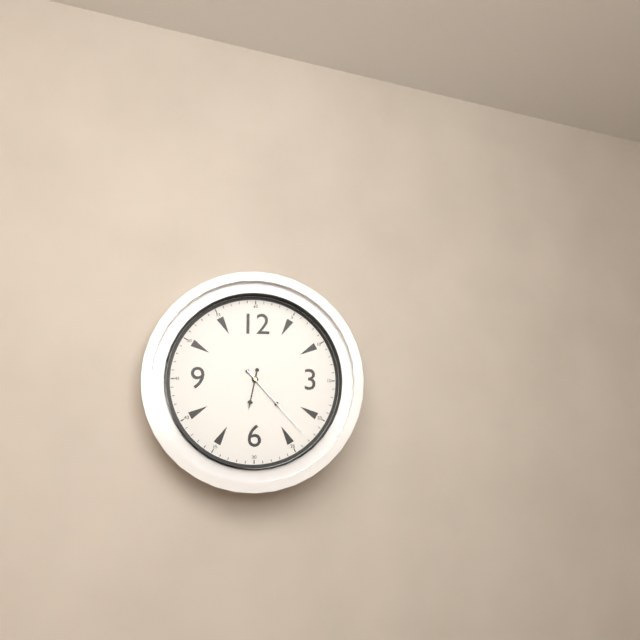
6:23:23
